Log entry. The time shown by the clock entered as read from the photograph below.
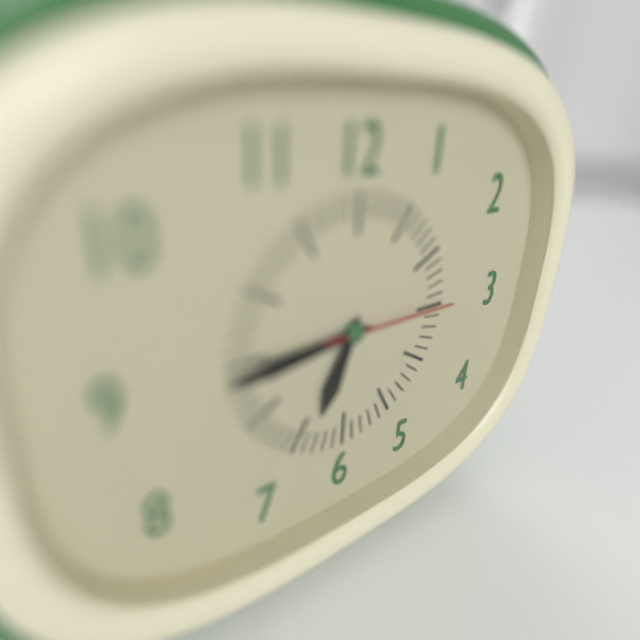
6:44:15
